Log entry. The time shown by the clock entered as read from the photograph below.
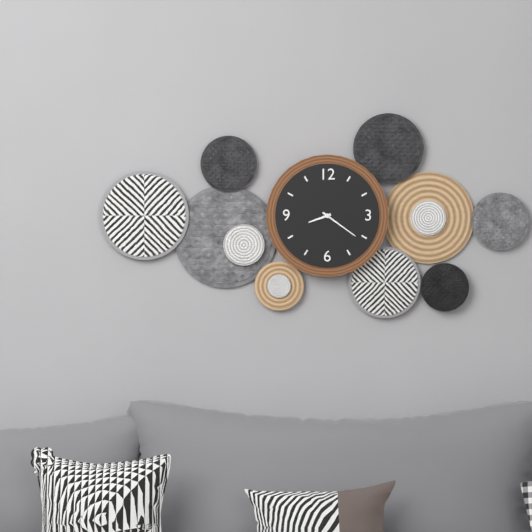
8:21
